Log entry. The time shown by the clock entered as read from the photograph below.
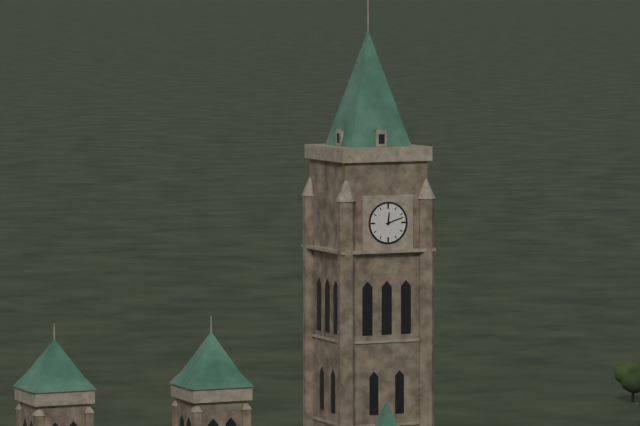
12:12
